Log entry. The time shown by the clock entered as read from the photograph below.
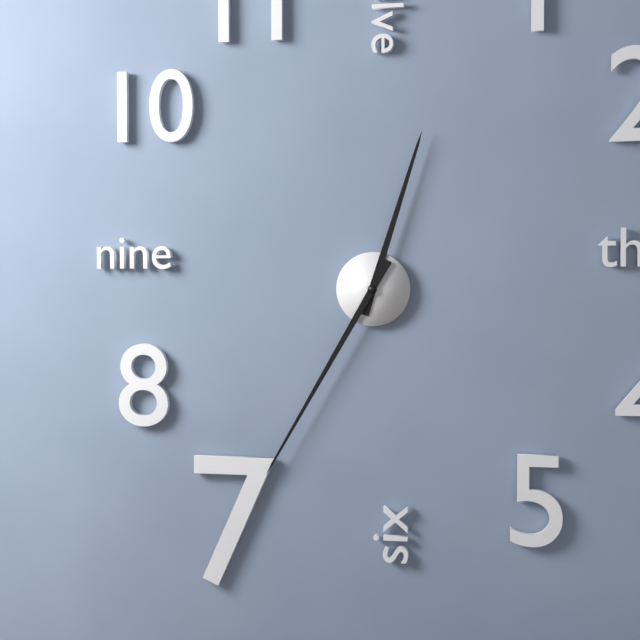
12:35
